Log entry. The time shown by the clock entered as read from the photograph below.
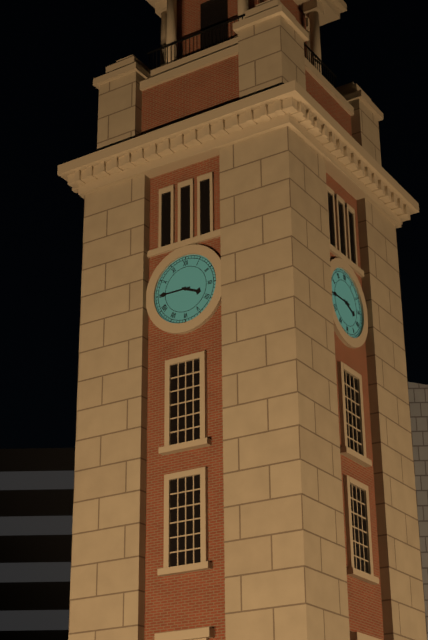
3:45
